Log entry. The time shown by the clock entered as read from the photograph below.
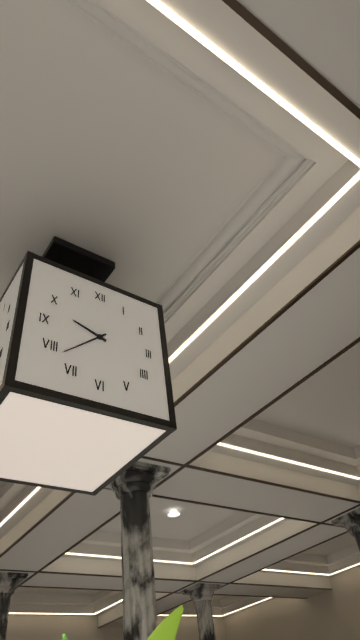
9:38
